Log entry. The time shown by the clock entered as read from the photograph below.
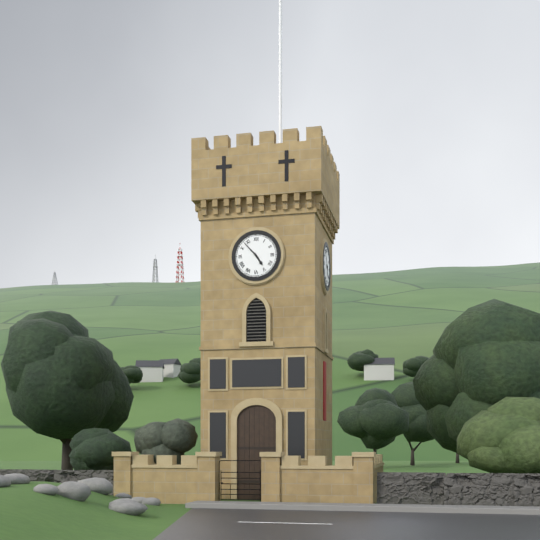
4:53
